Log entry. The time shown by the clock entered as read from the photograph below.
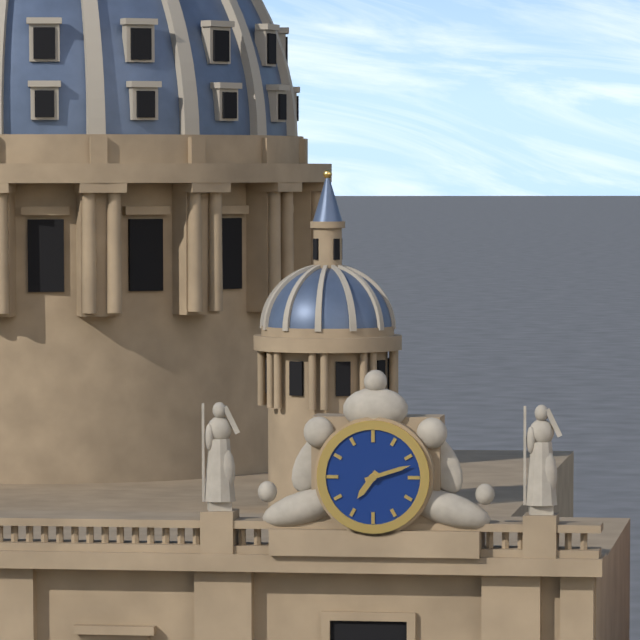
7:12
